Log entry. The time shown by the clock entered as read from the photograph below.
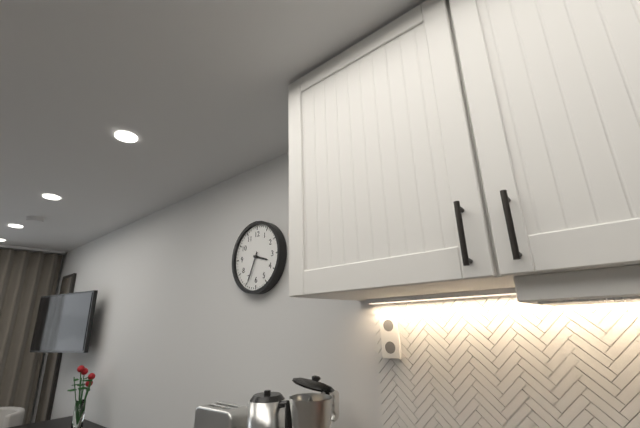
3:34
